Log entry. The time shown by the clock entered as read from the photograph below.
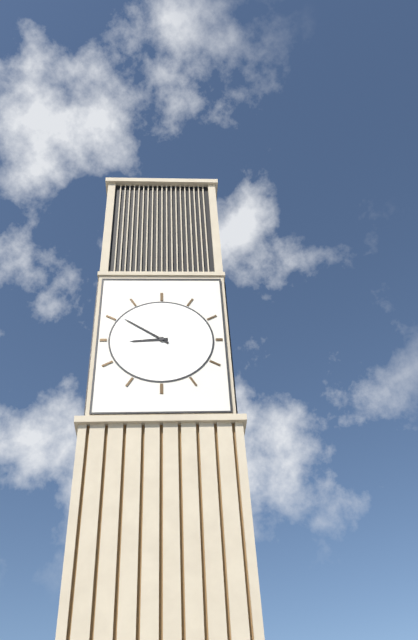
8:51
